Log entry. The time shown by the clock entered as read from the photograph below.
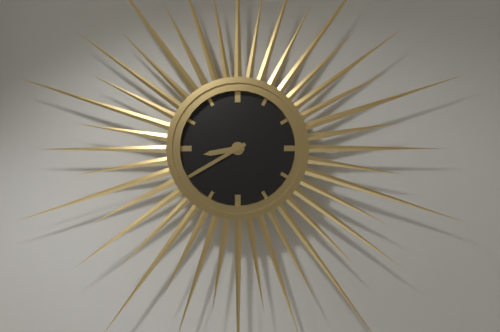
8:40
